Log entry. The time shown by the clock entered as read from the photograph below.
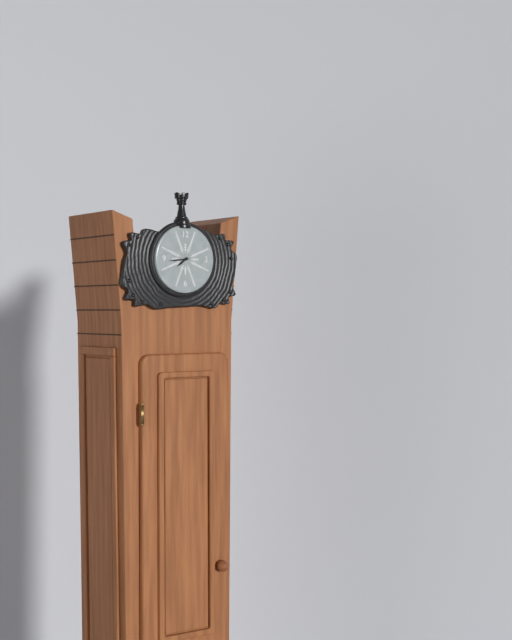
7:44
